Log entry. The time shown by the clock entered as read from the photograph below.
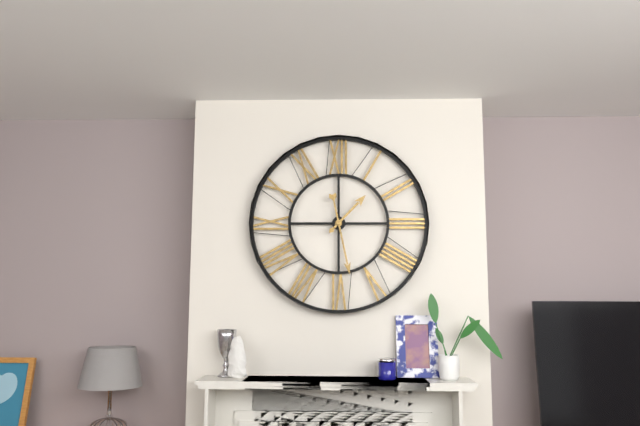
1:28
